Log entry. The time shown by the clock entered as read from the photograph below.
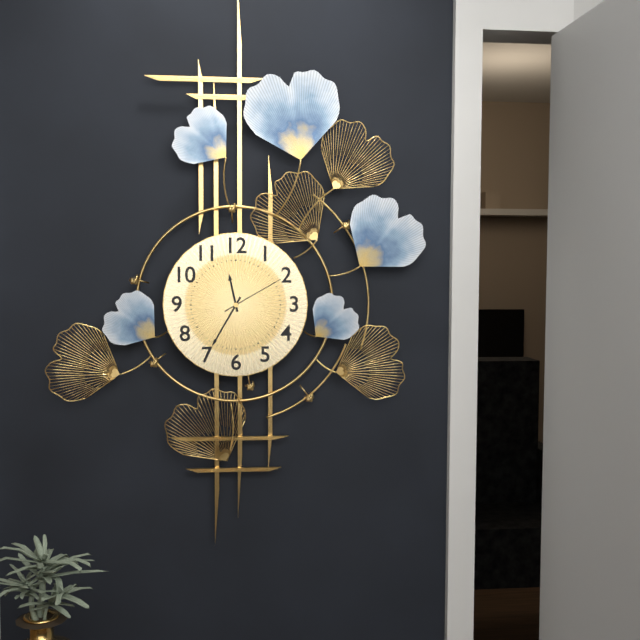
11:35:10
